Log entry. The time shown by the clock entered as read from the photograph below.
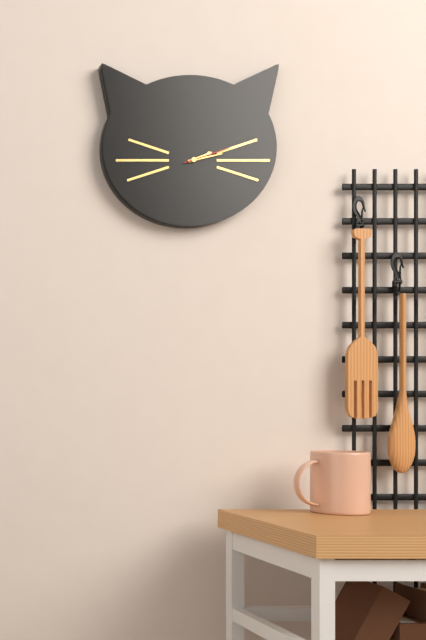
2:13:12
